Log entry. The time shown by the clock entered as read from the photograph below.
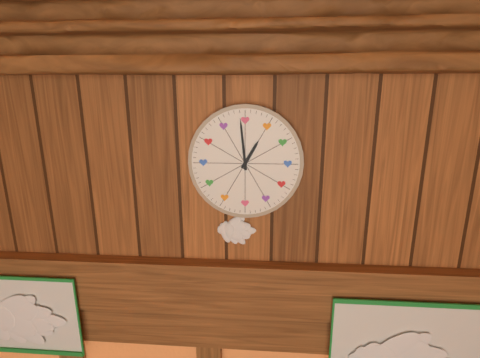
12:59
